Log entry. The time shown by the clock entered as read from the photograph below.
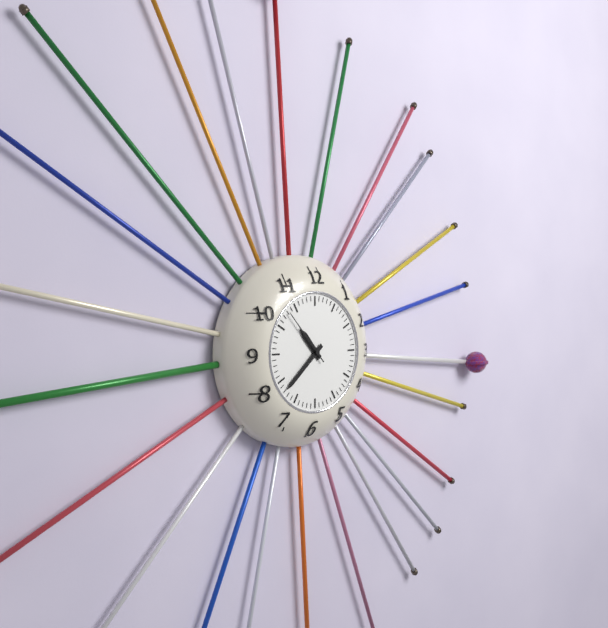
10:38:53
